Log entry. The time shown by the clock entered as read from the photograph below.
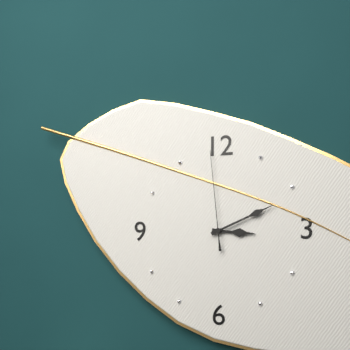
3:11:59
